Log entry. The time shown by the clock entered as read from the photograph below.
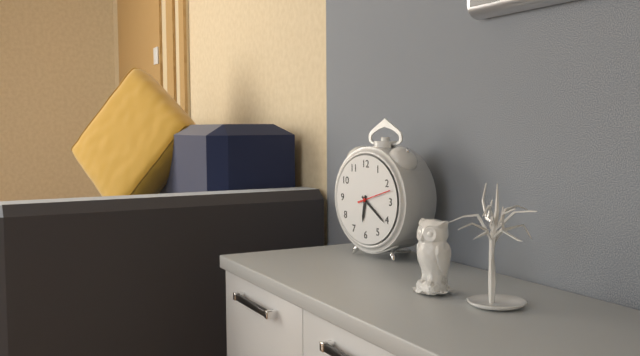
6:21
